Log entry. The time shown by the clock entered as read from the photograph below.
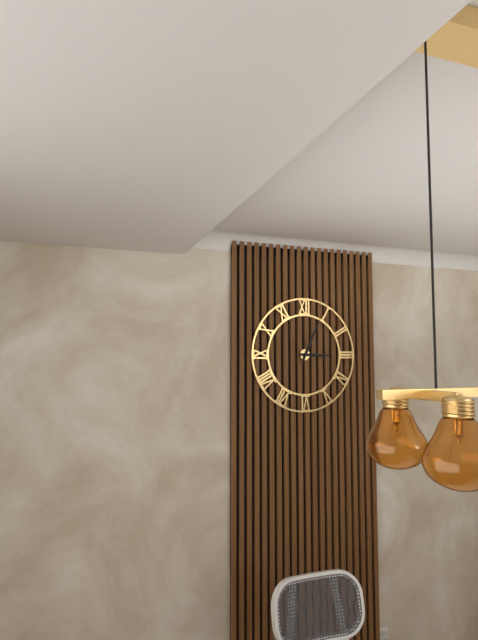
3:04
